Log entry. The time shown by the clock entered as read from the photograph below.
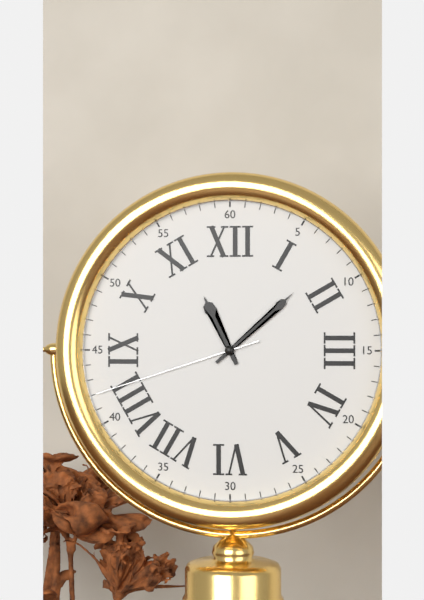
11:08:42
